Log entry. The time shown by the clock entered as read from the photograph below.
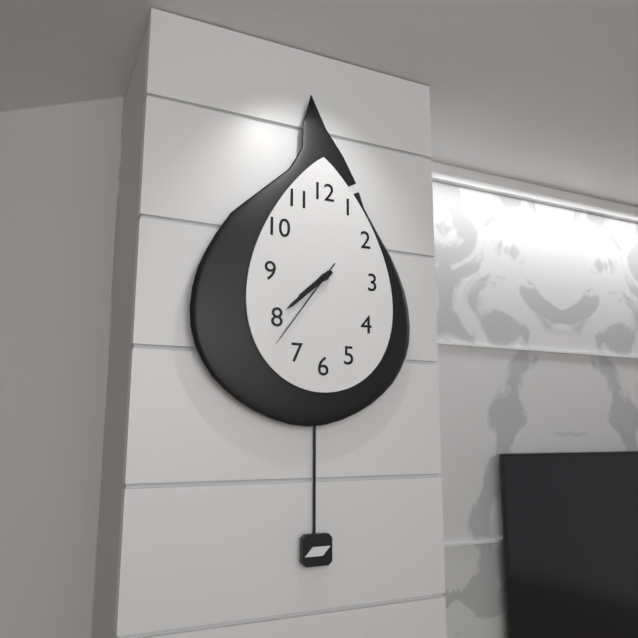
7:38:36
